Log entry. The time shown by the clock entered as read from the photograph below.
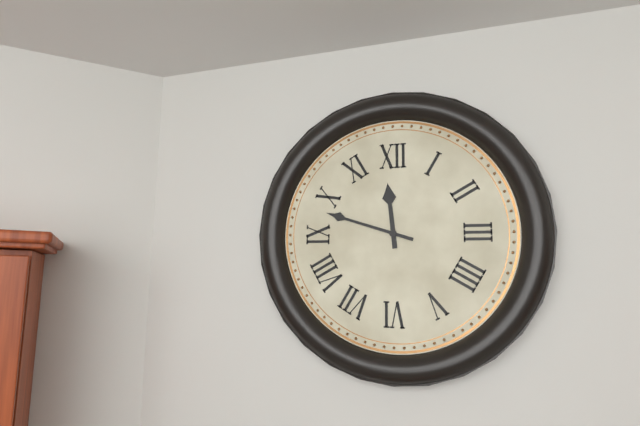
11:48
